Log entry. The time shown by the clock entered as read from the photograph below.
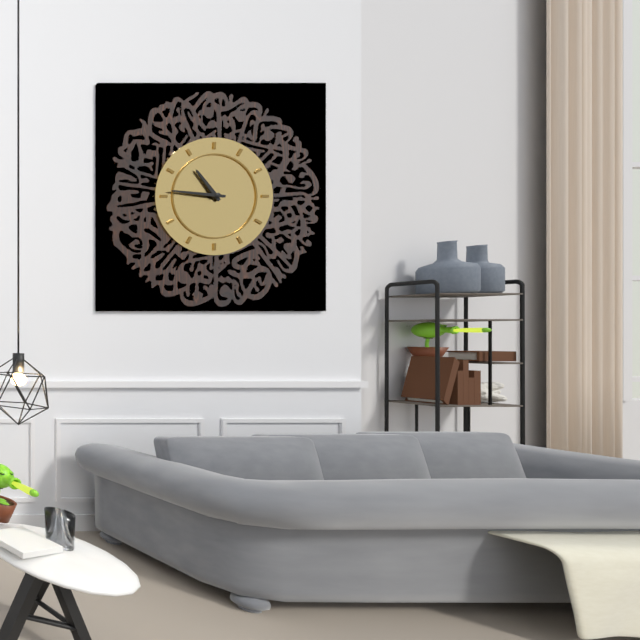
10:46
